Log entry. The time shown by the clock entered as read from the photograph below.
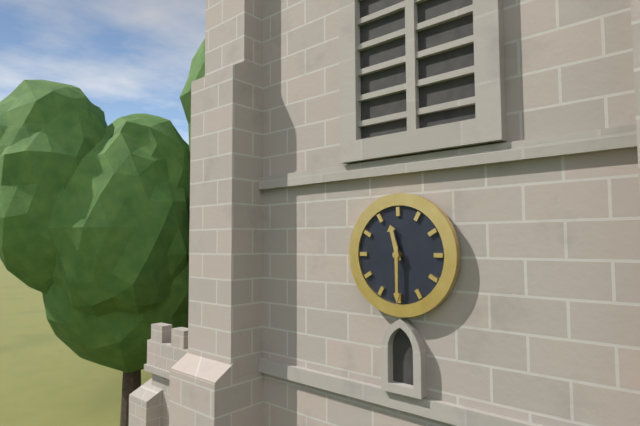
11:30
